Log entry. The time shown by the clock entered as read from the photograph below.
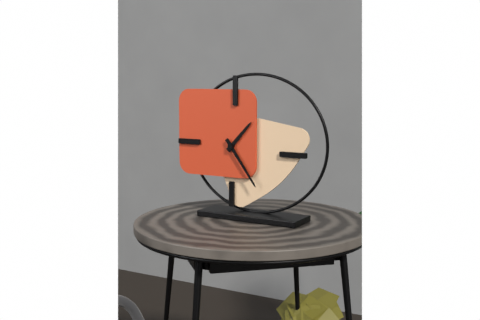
1:24
